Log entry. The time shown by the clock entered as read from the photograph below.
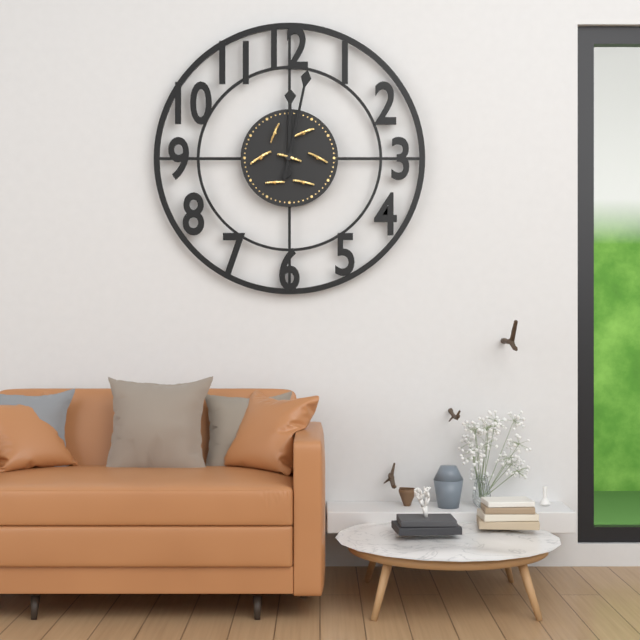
12:02
